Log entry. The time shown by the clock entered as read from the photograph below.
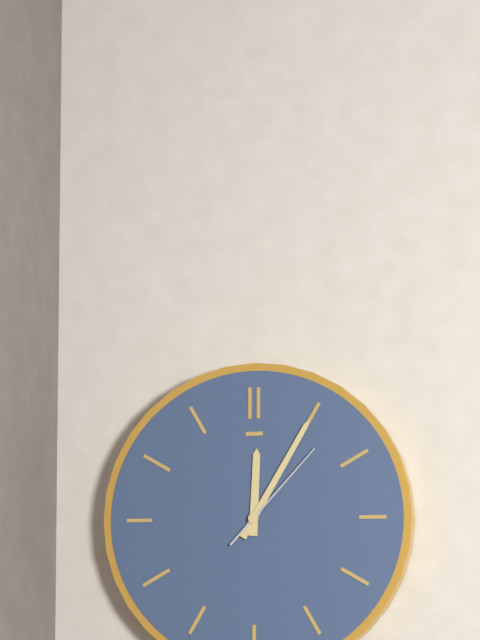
12:05:07
